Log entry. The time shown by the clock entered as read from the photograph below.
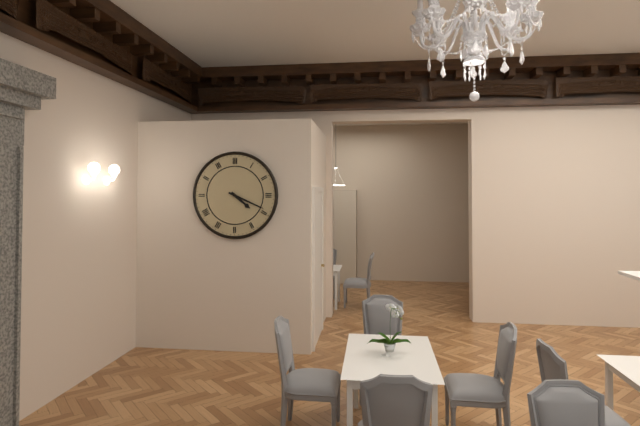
4:19
